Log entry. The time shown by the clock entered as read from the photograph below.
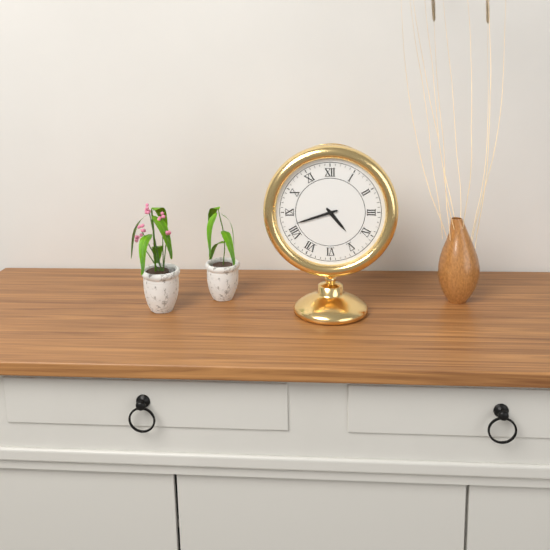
4:42
